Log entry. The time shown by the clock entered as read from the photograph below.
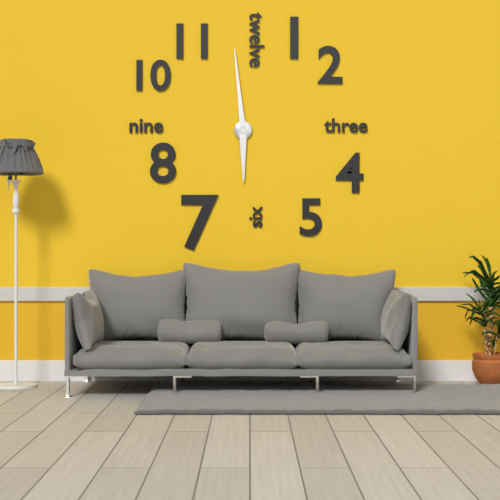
5:59
